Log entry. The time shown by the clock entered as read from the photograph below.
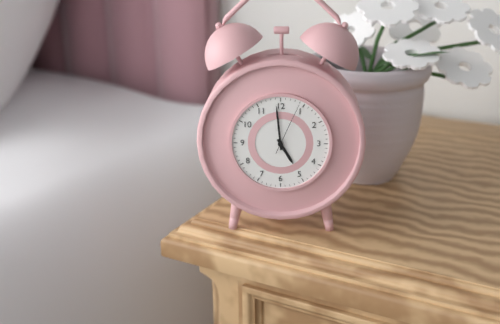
4:59:04
